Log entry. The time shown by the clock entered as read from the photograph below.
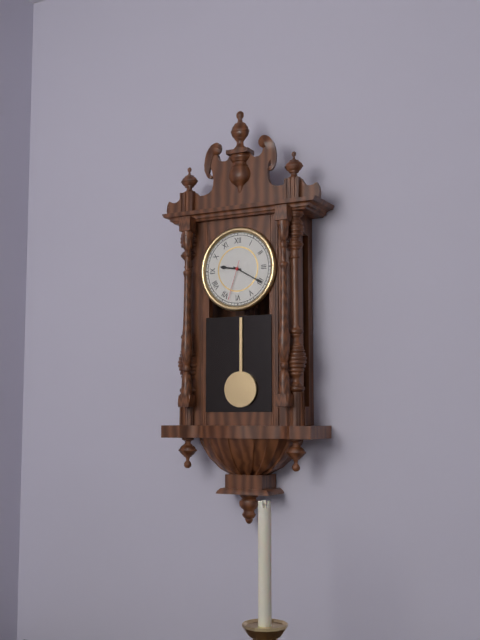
9:20
